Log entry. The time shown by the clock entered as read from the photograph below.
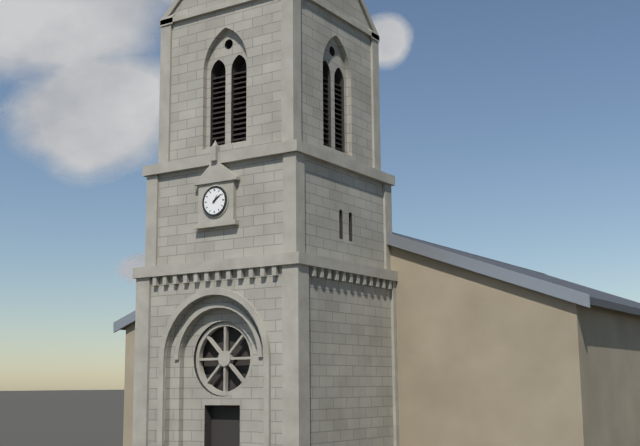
1:09
